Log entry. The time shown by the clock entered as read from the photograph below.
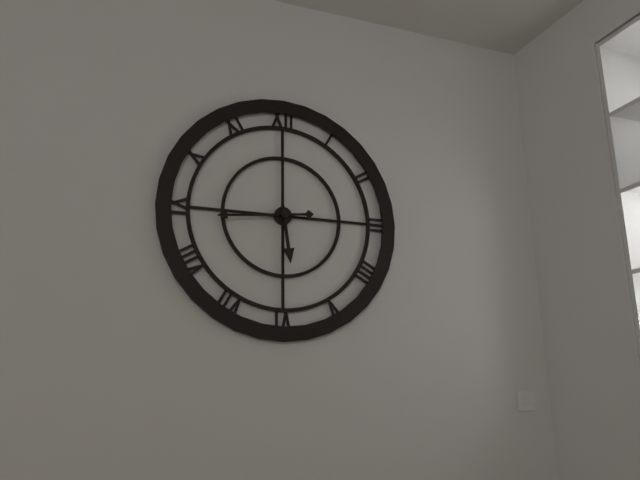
5:44
